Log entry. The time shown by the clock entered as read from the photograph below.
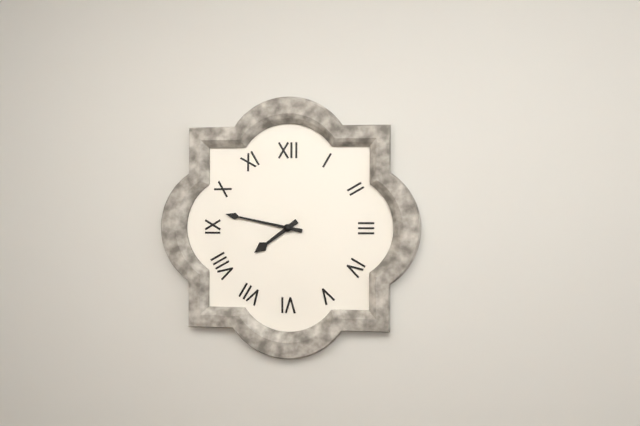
7:47
